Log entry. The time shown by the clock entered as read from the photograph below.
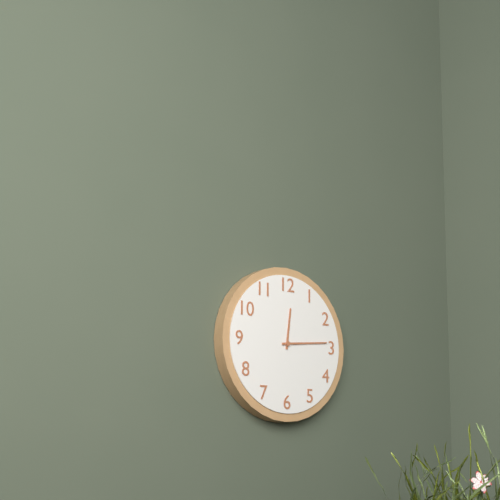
12:14
